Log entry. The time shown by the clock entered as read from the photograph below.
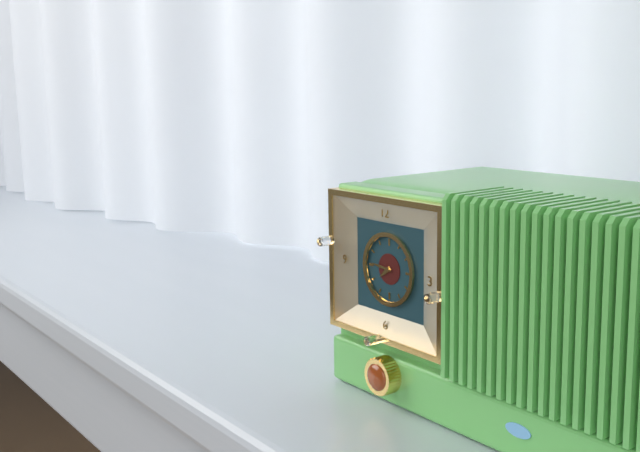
7:46
